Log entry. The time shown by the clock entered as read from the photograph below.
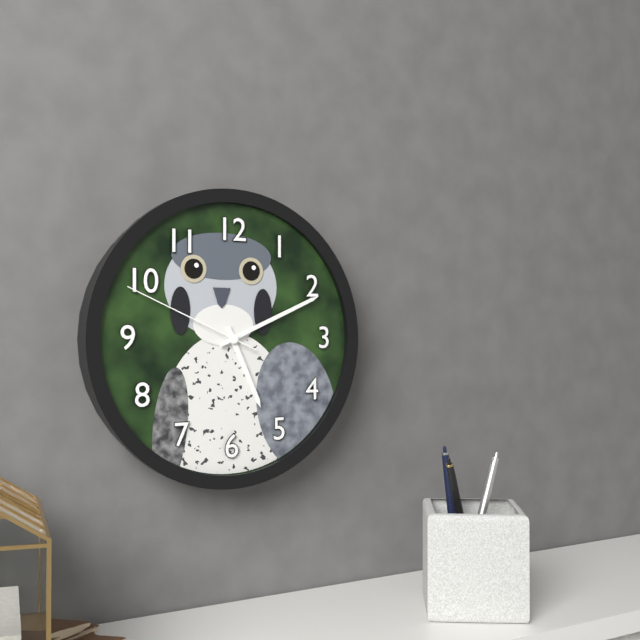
5:11:49
